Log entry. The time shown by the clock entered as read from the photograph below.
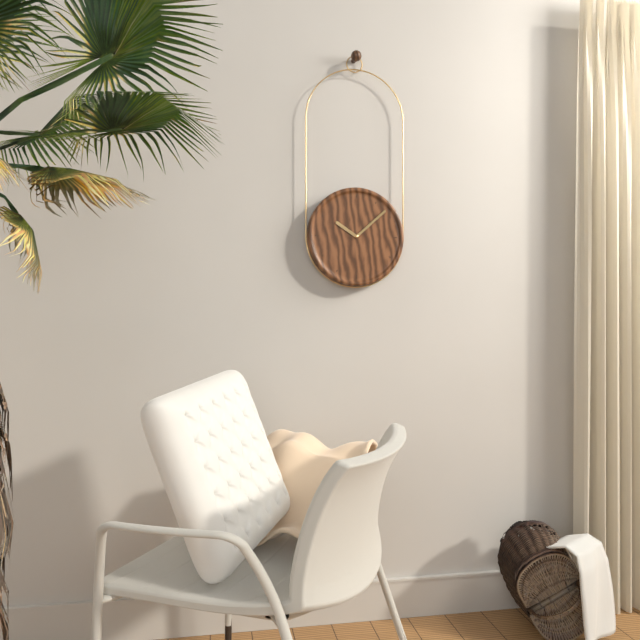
10:08
